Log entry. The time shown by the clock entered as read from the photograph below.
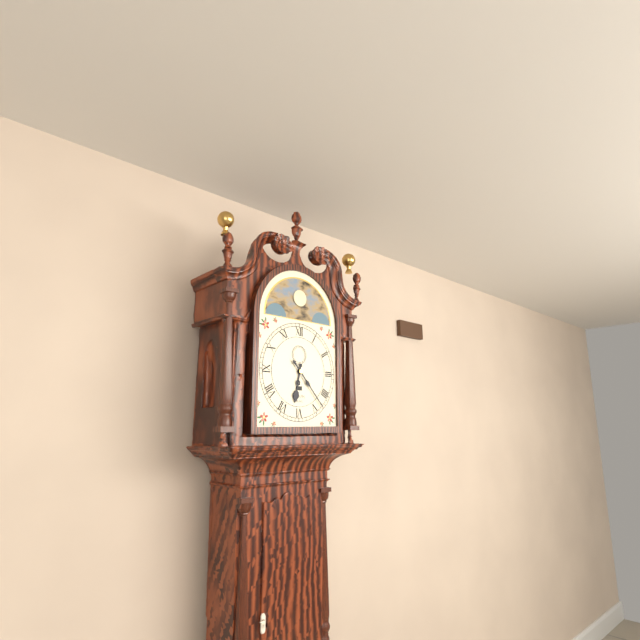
6:23
